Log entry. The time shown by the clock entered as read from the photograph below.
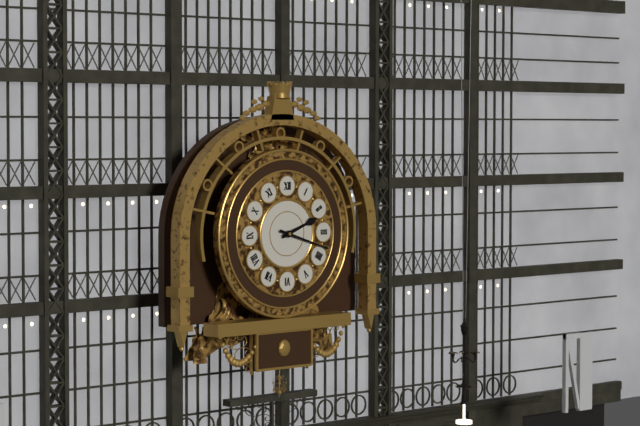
2:18
